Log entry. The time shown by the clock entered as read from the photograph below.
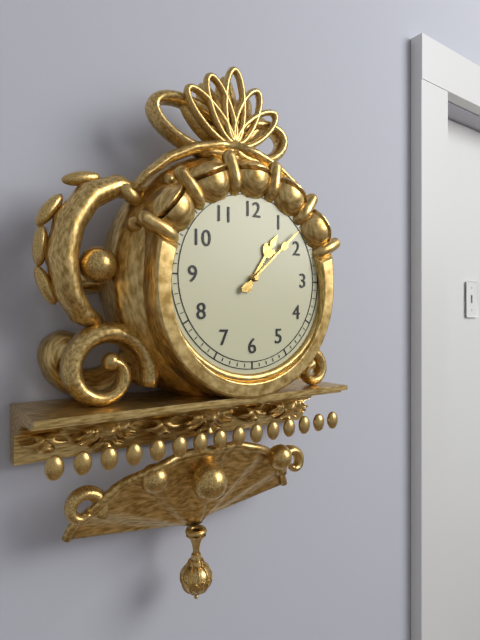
1:08
